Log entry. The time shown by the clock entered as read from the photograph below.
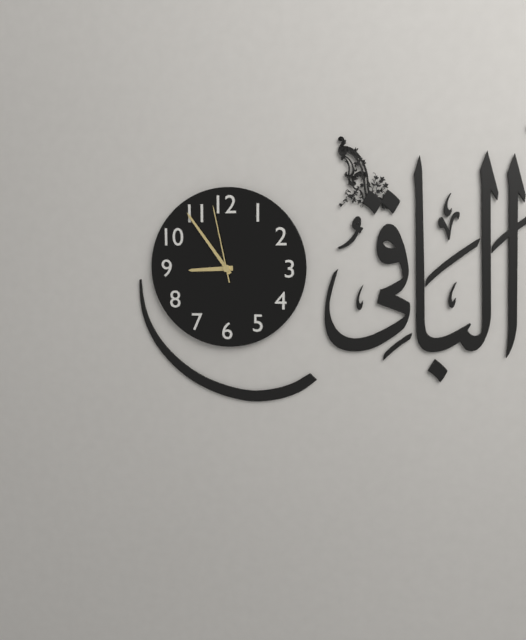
8:54:58
